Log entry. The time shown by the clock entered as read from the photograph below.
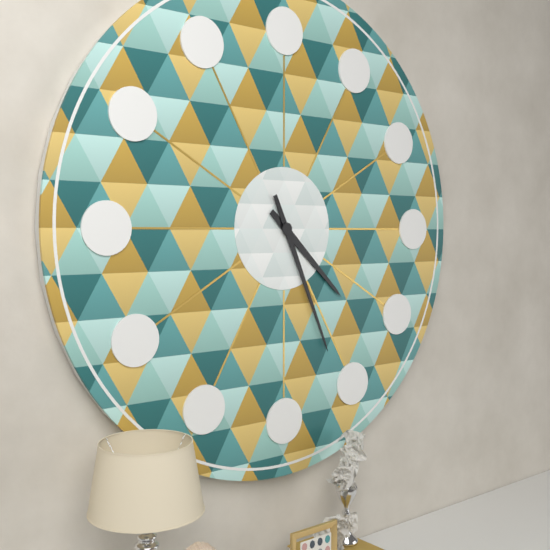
4:26
